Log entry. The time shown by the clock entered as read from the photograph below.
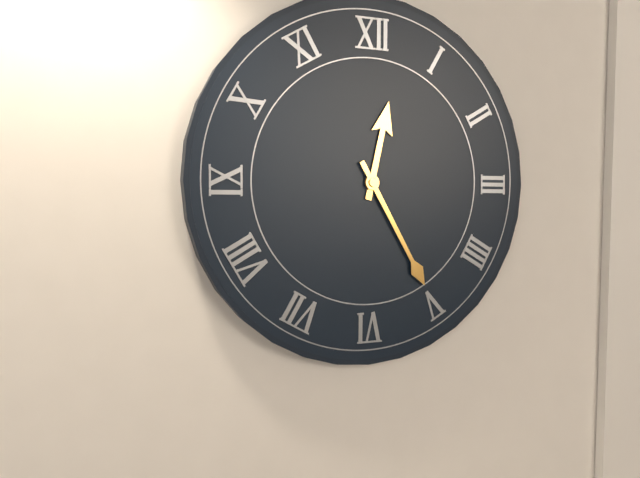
12:25
